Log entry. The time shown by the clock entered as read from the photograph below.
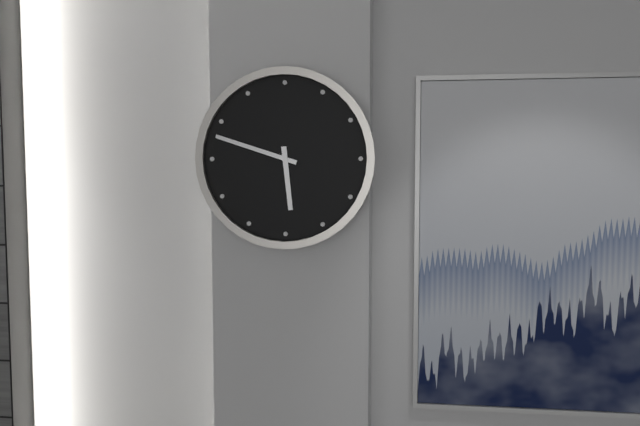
5:48
